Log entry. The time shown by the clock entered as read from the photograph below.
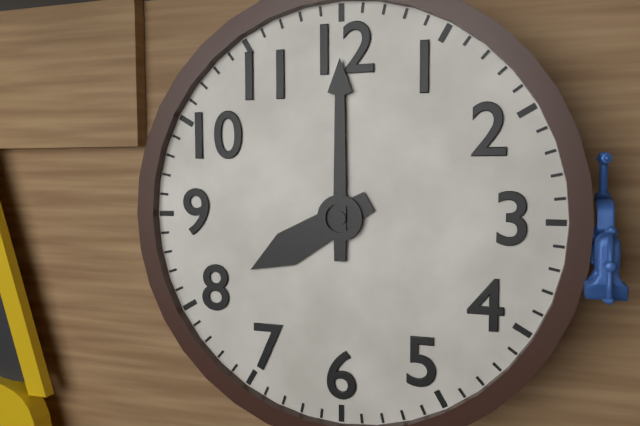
8:00
